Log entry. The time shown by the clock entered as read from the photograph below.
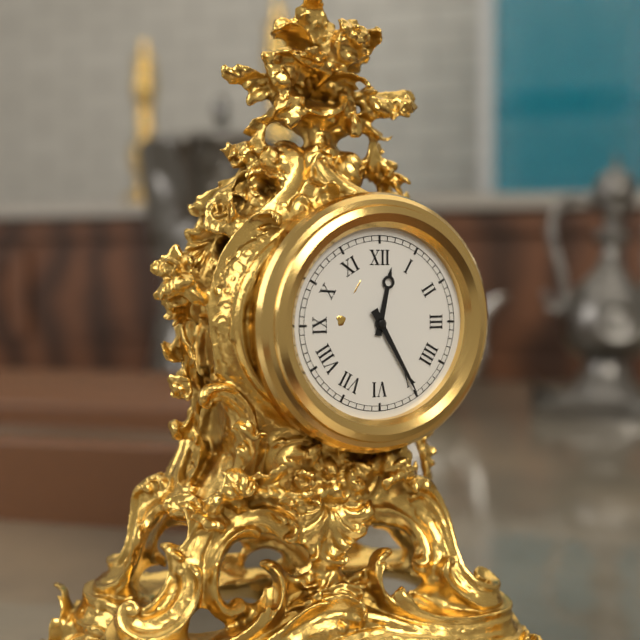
12:25
